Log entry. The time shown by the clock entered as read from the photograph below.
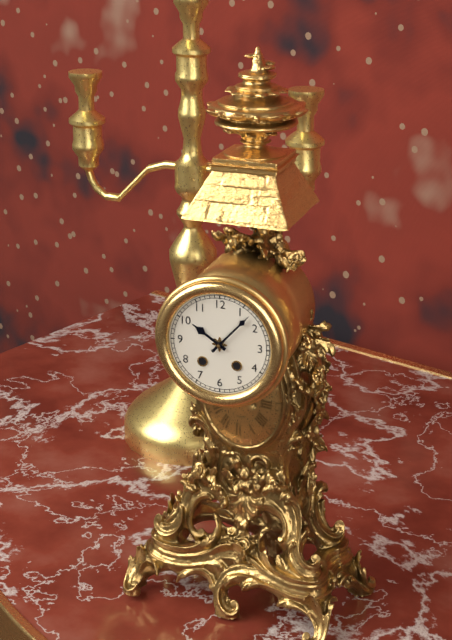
10:07
